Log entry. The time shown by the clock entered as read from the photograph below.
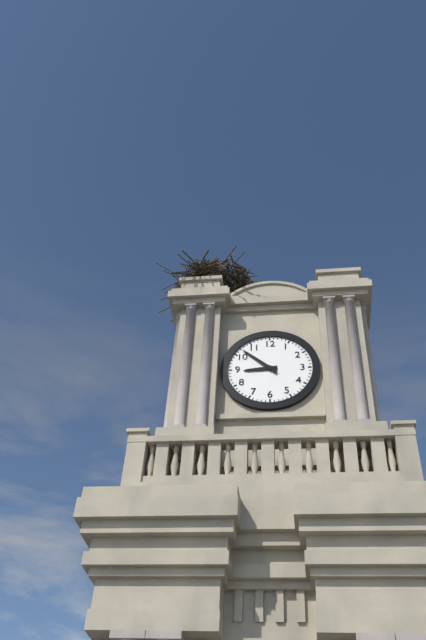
8:52
